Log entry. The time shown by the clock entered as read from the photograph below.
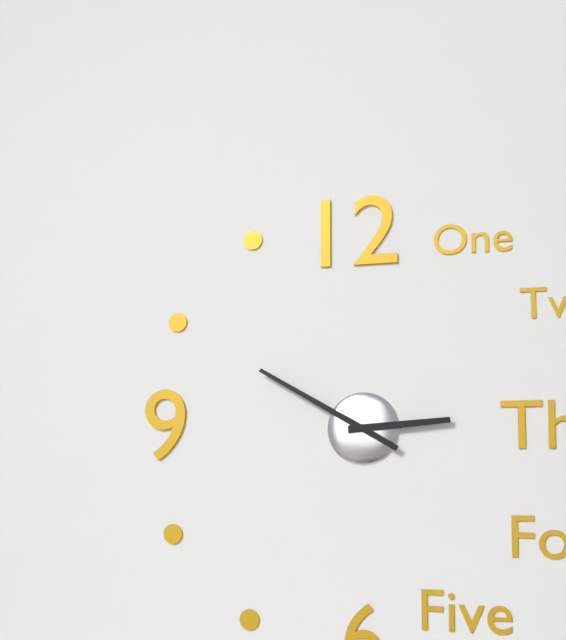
2:50
